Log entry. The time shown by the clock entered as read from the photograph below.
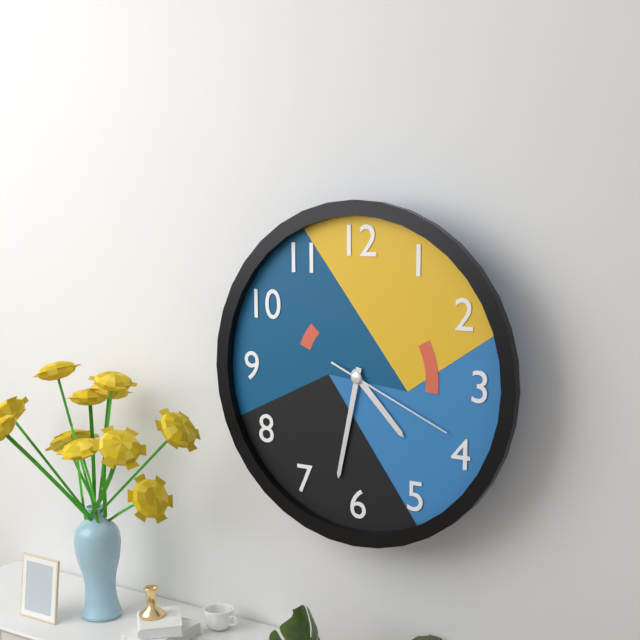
4:32:19
